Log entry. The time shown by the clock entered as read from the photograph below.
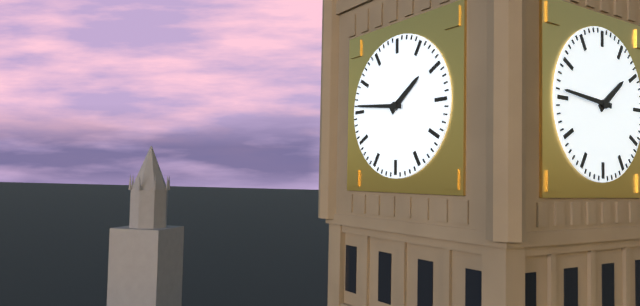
1:46
